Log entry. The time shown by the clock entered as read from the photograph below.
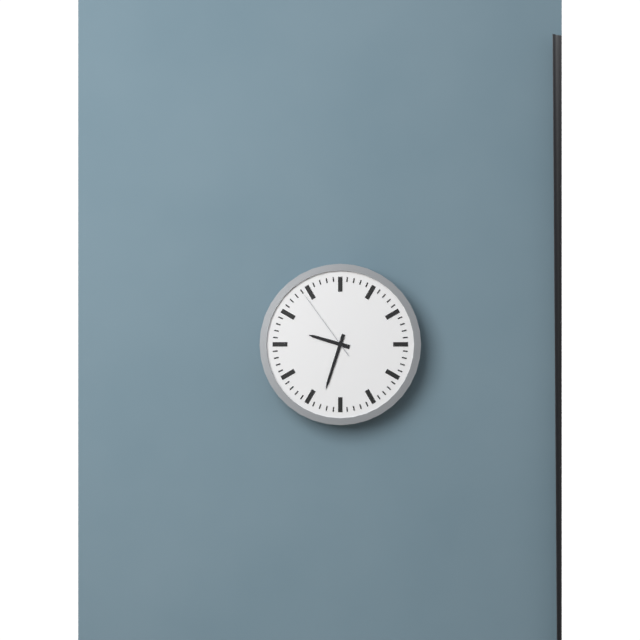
9:33:54
